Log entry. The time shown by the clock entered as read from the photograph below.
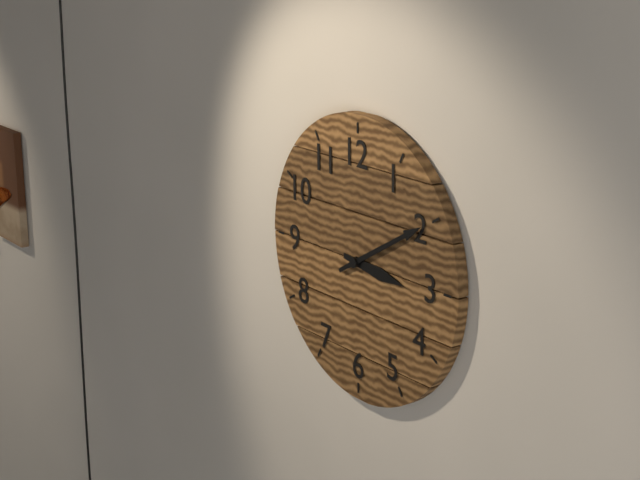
3:10
